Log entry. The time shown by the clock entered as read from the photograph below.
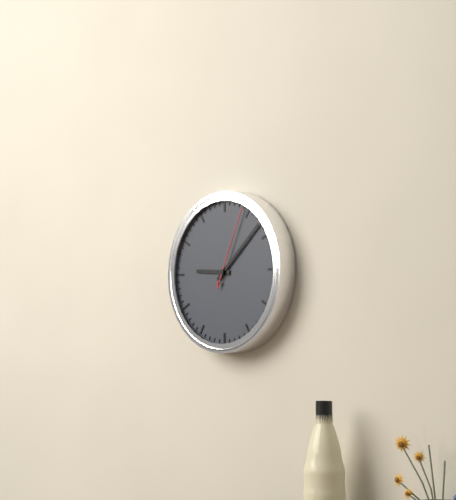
9:08:04
